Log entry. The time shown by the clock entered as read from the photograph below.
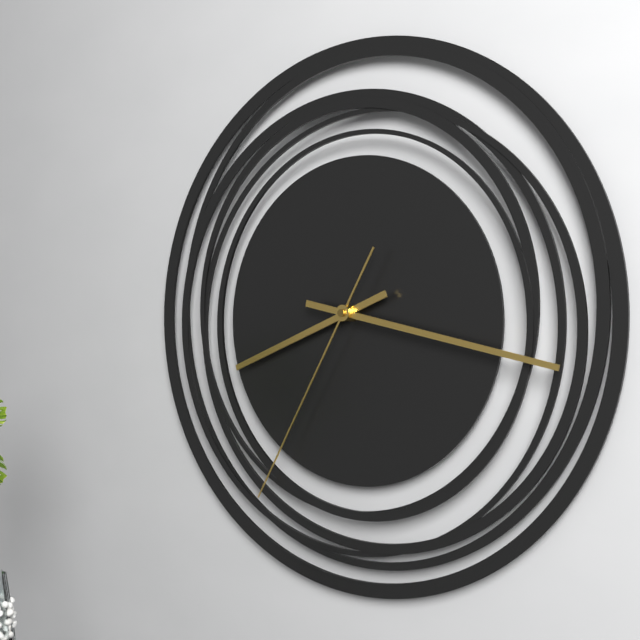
8:17:35
